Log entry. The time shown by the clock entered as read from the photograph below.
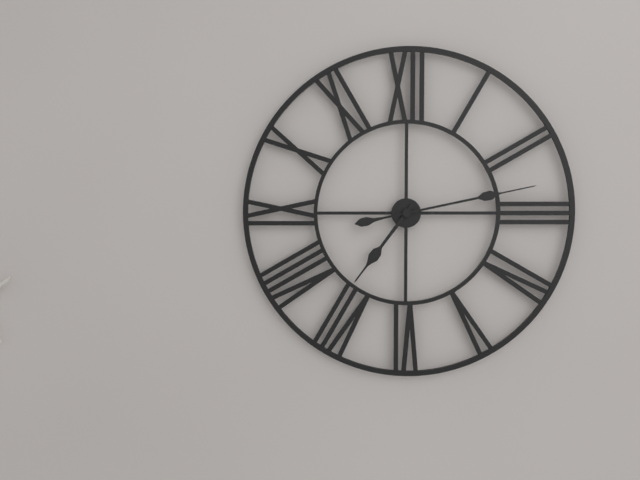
7:13
